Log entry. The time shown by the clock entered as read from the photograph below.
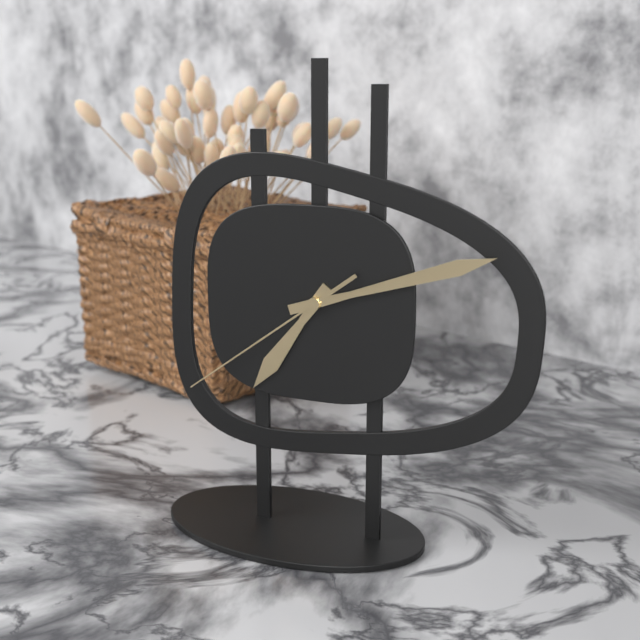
7:12:39
